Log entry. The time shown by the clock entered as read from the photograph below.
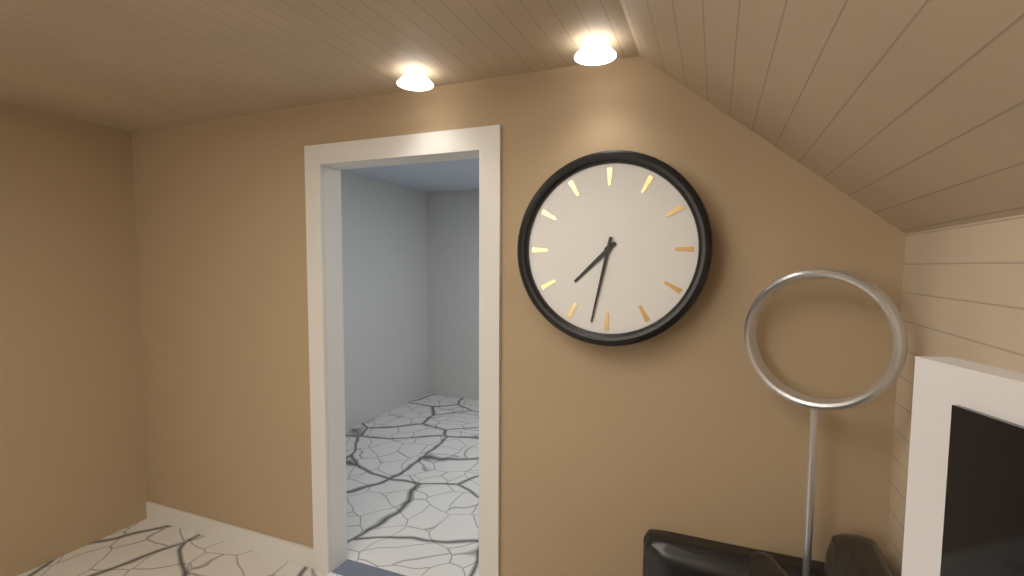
7:32
